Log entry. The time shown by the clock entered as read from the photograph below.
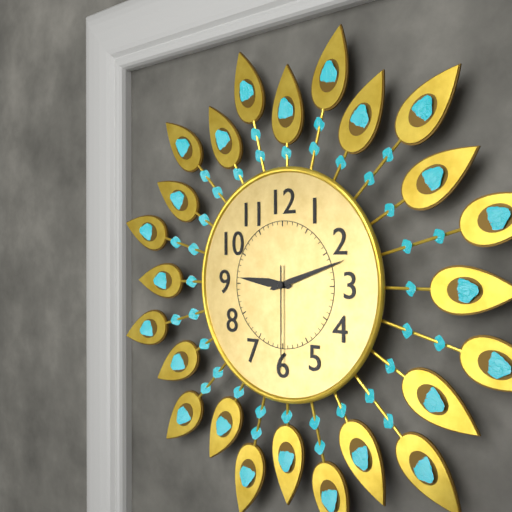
9:12:30
